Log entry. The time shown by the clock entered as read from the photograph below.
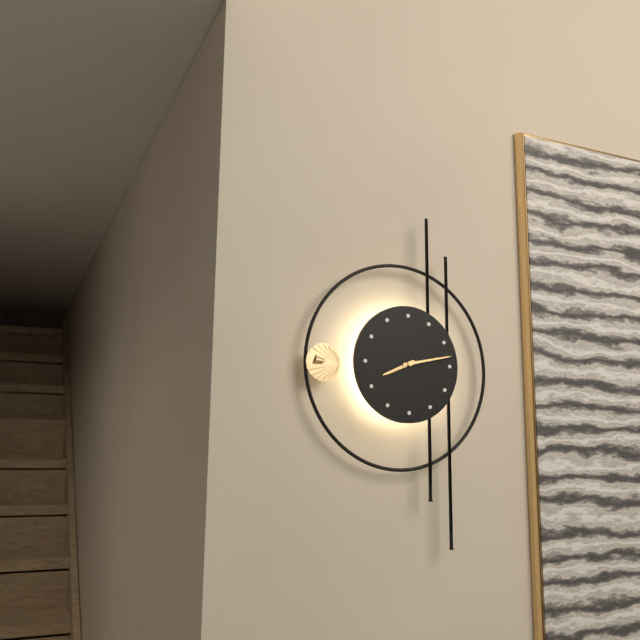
8:13
